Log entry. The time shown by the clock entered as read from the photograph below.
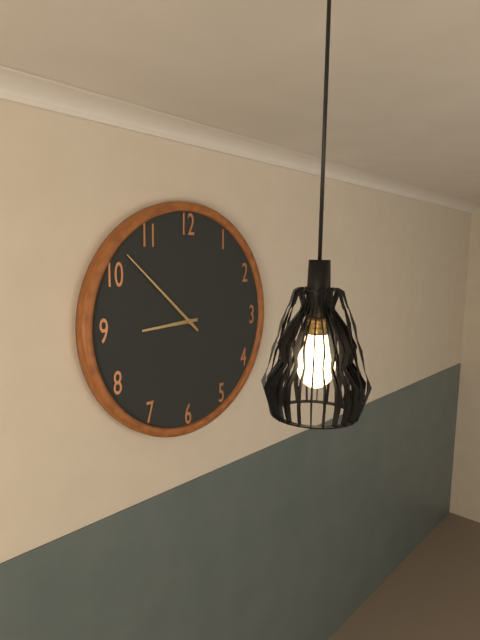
8:52
